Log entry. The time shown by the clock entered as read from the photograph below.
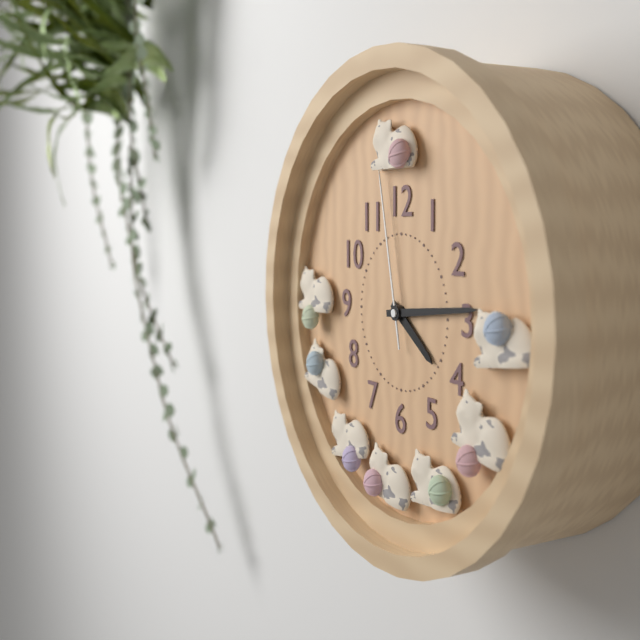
4:14:58
